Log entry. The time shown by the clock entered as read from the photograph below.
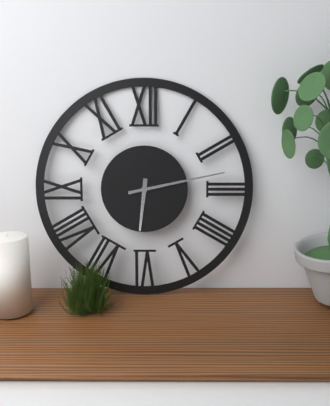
6:13
